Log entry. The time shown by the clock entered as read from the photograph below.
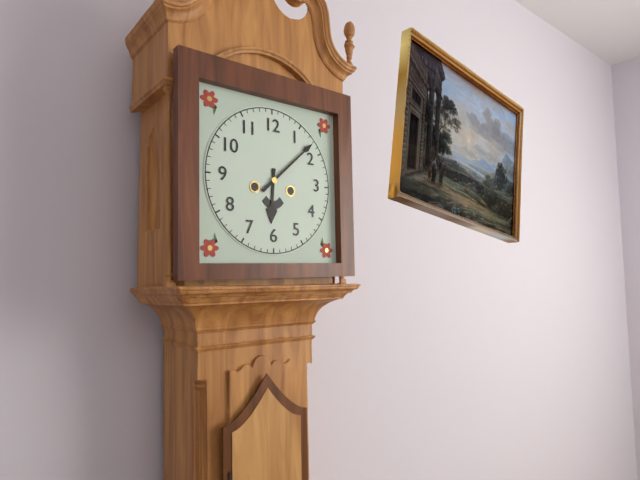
6:08
